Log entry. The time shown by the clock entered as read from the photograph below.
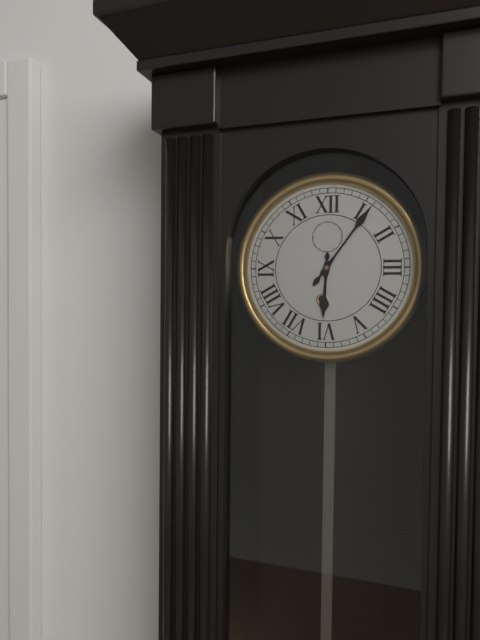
6:06
